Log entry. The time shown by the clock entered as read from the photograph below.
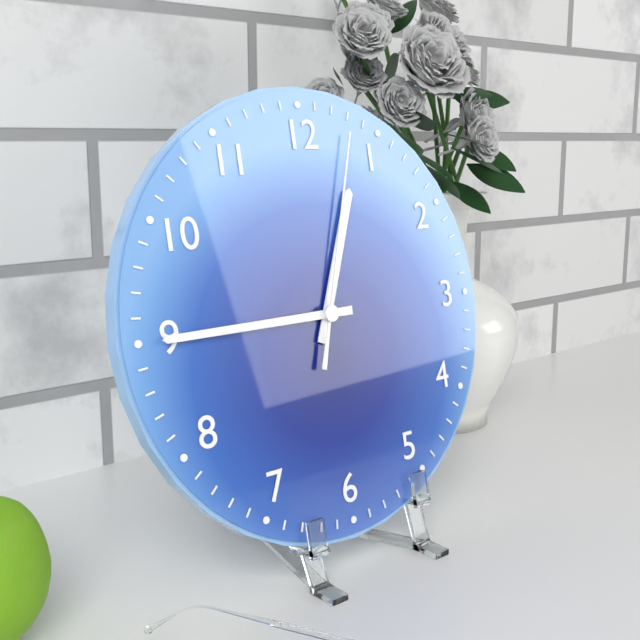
12:45:03
